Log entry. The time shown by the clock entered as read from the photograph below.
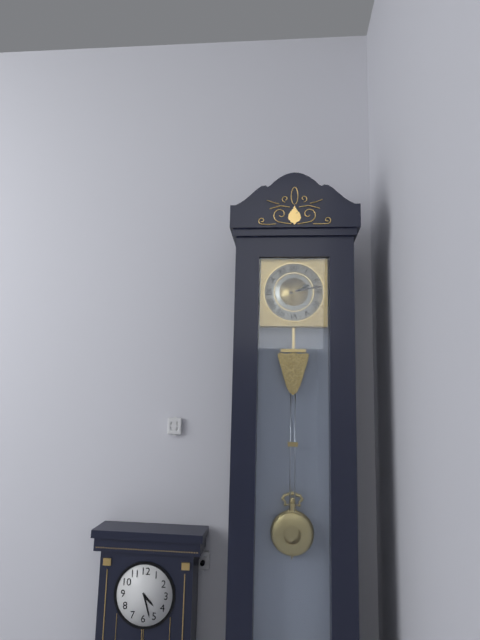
2:13
